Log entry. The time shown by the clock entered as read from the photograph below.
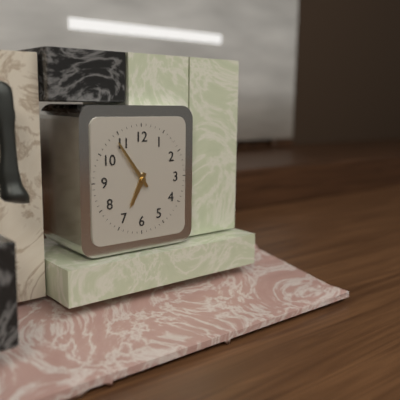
6:54
